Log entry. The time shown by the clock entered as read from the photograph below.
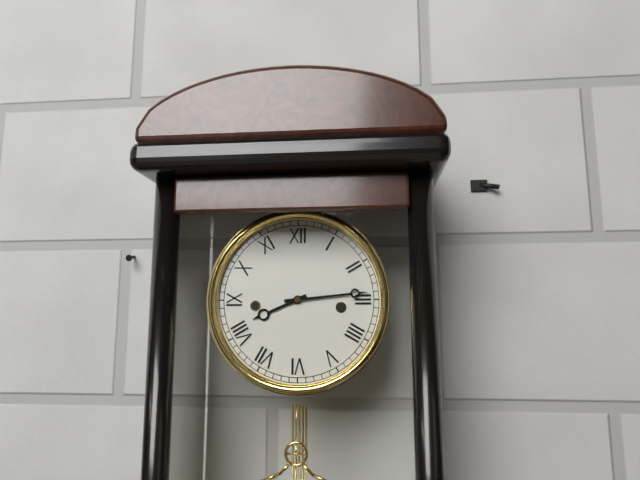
8:14
